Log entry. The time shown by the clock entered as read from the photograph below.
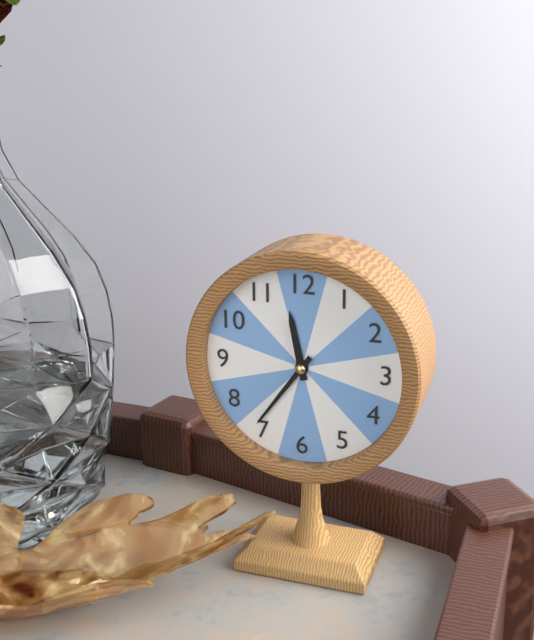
11:36
